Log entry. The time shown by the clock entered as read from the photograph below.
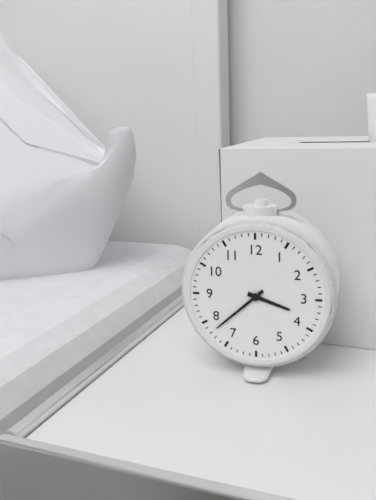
3:38
